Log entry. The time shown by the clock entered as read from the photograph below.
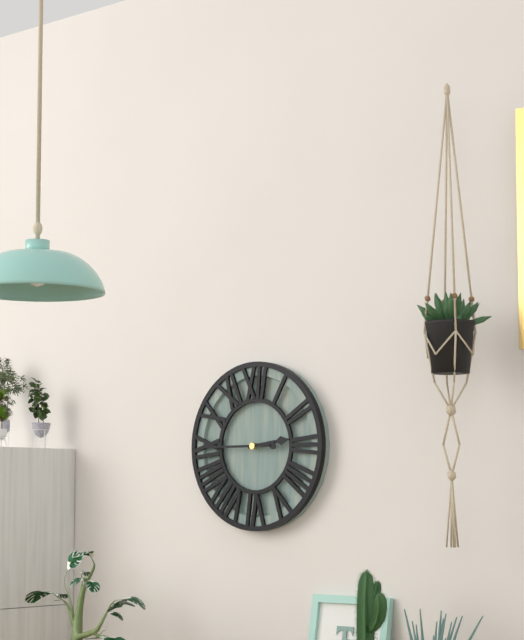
2:45
